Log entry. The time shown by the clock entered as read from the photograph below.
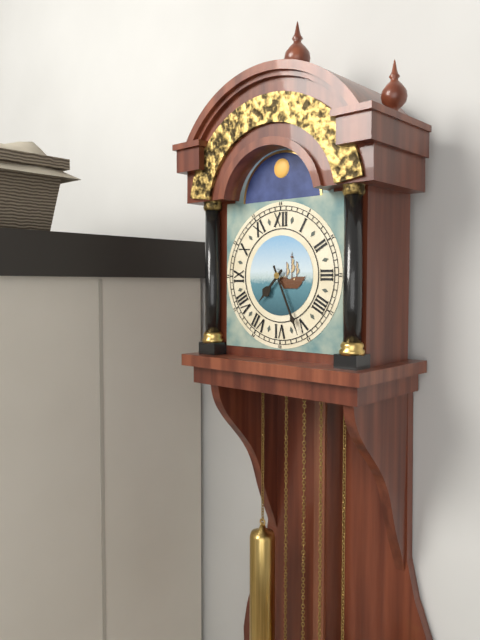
7:26
